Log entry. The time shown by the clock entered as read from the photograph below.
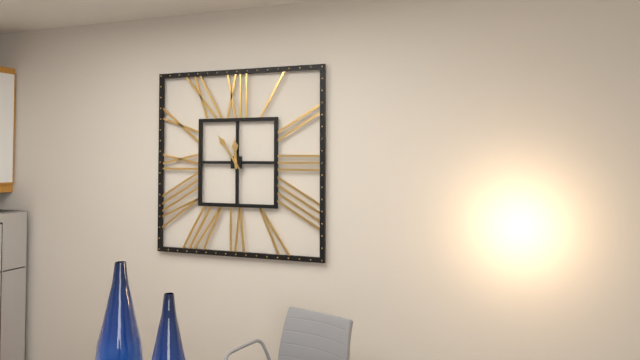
11:54
